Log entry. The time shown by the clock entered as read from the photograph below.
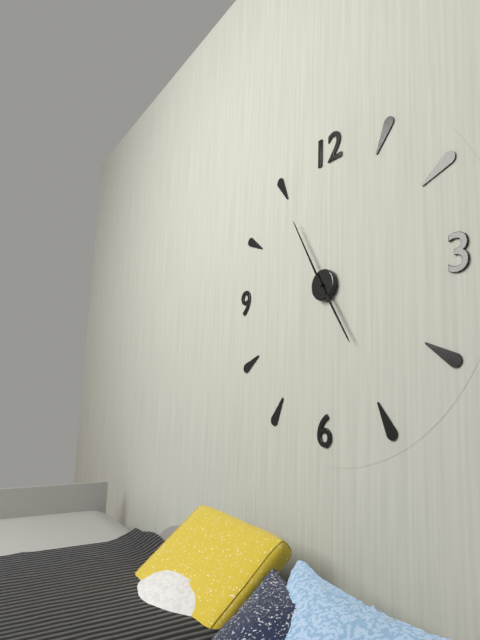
4:55
